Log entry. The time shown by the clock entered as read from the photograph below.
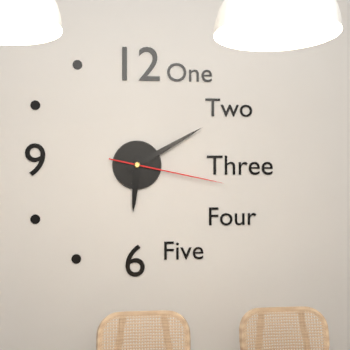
6:10:17
